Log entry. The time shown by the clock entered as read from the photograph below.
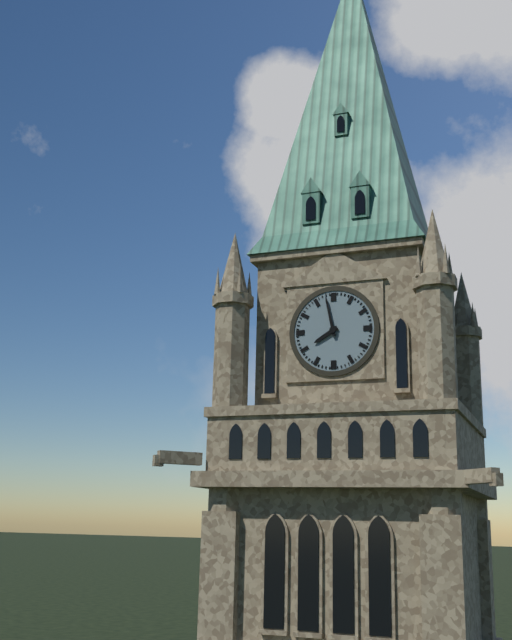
7:58
